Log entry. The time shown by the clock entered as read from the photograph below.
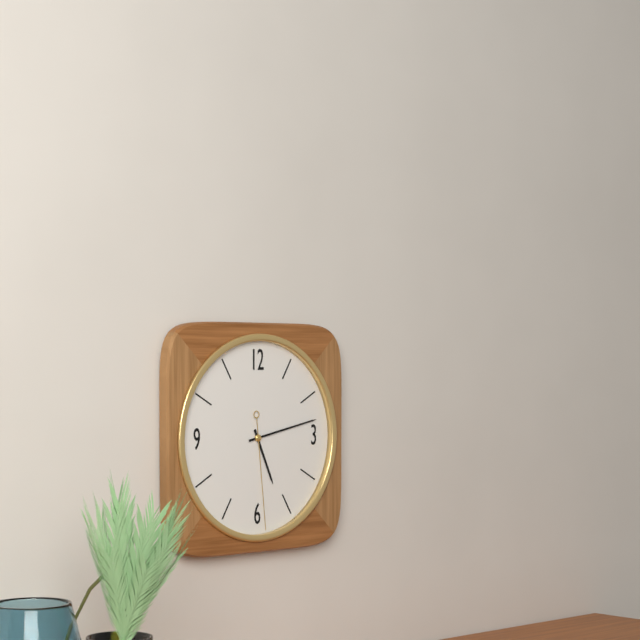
5:13:29
